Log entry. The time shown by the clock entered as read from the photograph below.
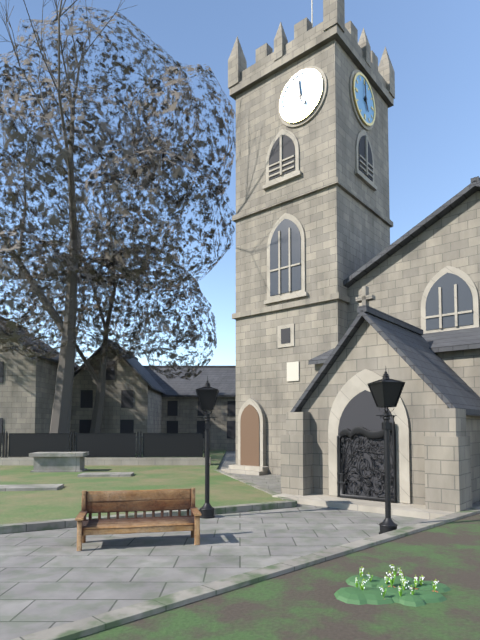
4:59
